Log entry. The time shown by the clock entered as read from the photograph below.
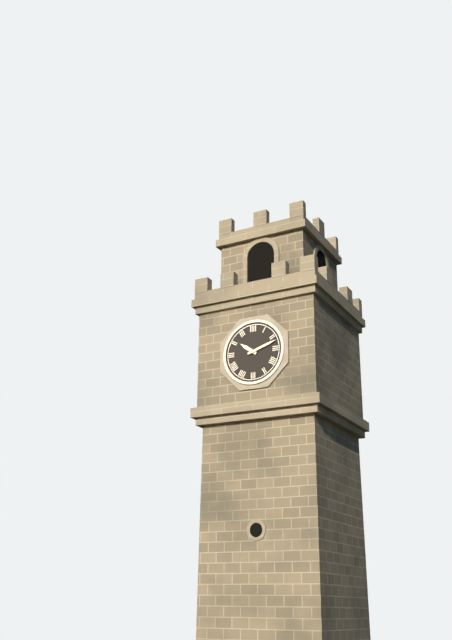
10:12
